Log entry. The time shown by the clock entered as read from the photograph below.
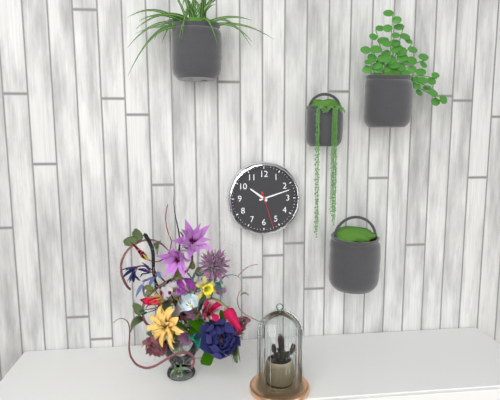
10:12
